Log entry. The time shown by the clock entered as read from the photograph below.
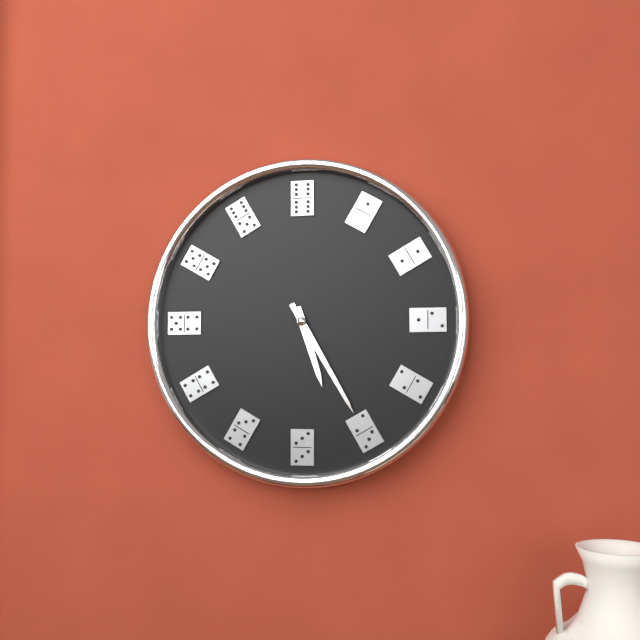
5:25
